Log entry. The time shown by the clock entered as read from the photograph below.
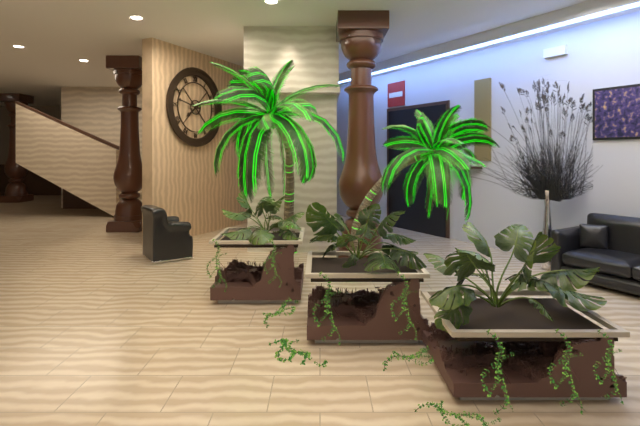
7:47
